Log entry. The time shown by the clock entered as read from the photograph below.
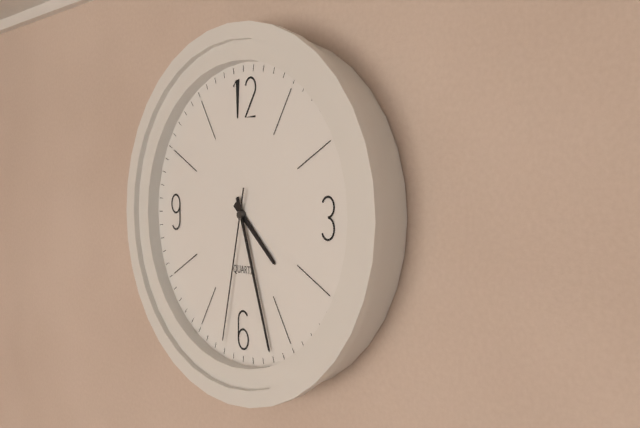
4:27:32
